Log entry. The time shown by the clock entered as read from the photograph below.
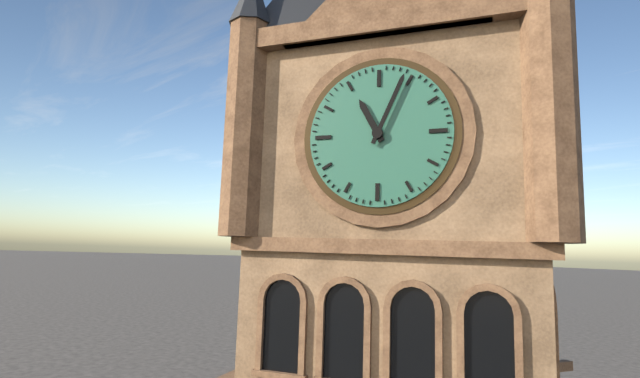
11:04
